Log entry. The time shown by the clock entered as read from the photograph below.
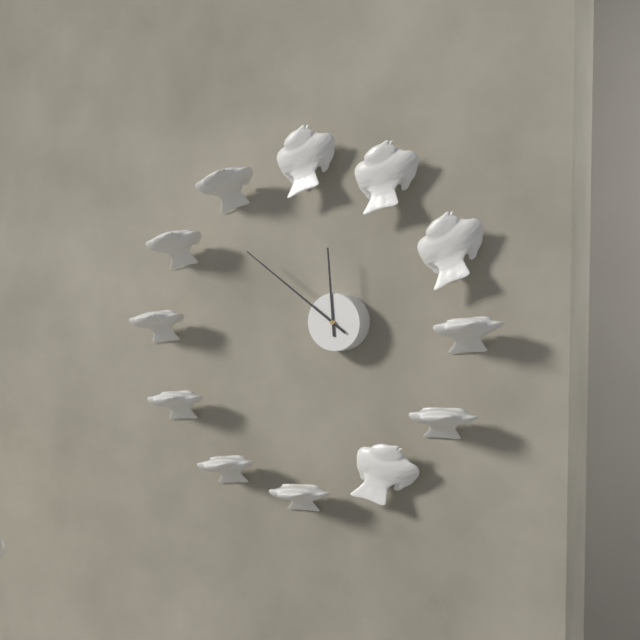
11:51
